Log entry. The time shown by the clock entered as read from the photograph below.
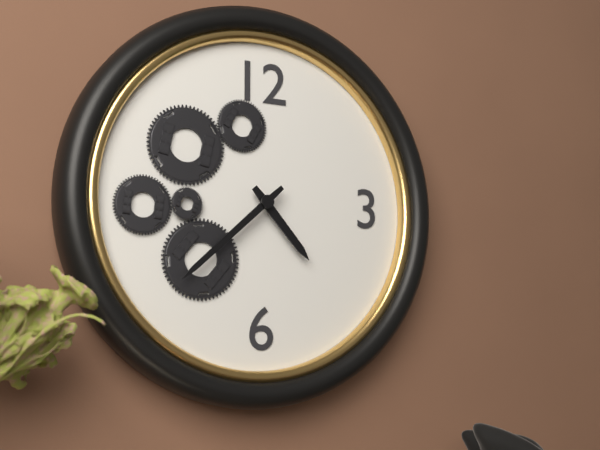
4:38
